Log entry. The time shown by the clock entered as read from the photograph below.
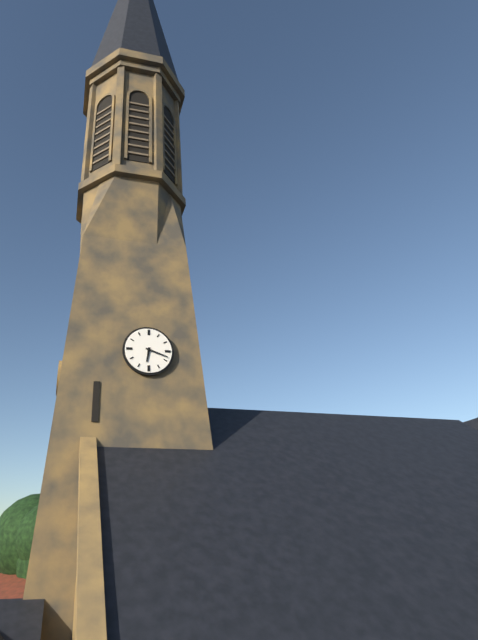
6:18
